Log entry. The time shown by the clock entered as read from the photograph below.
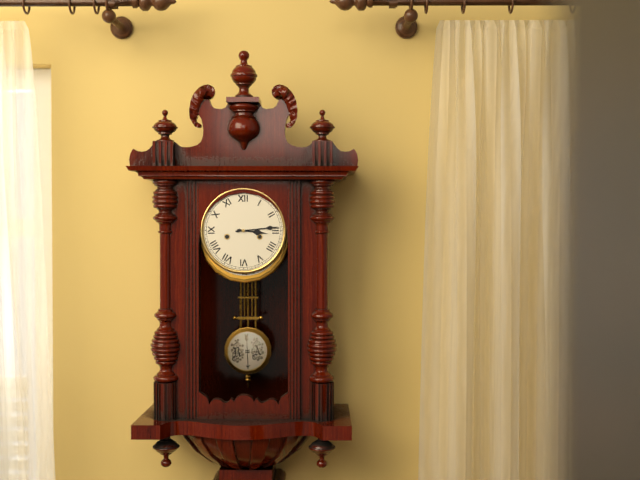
3:14
